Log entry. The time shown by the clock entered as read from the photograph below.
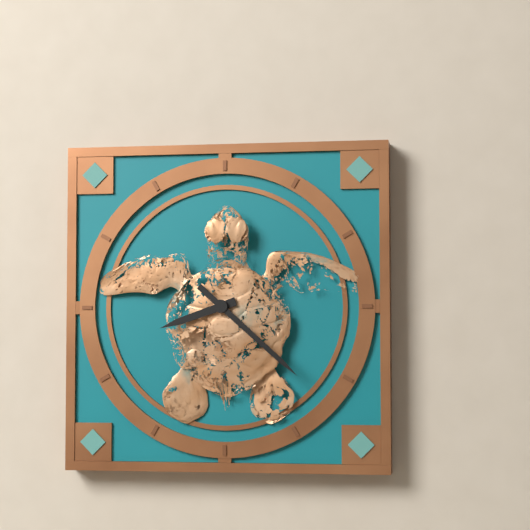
8:22
